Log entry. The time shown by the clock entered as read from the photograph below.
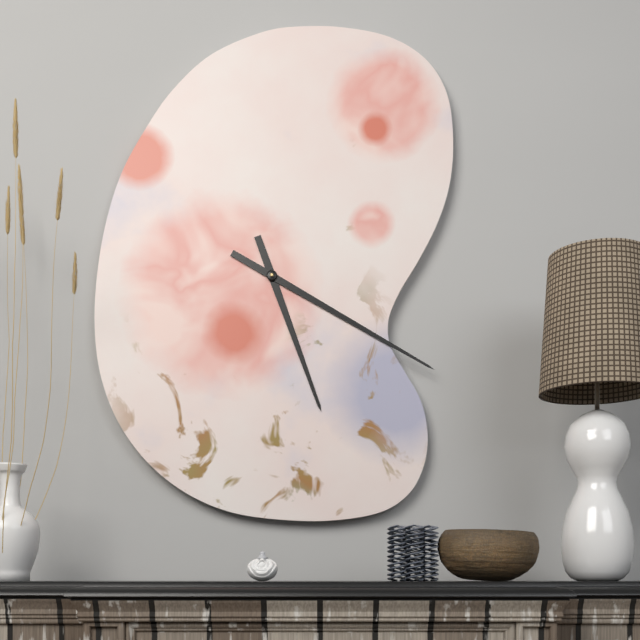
5:20
